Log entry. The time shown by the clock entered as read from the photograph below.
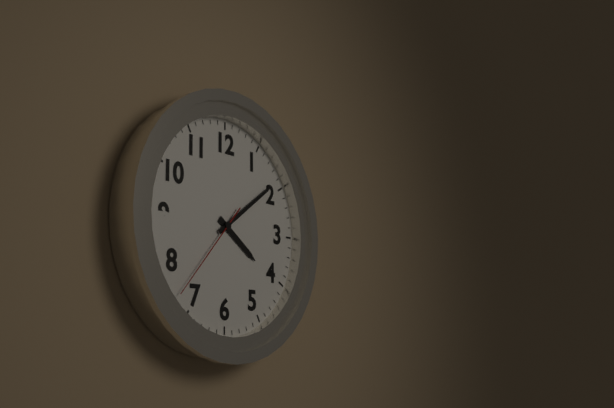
4:09:37
